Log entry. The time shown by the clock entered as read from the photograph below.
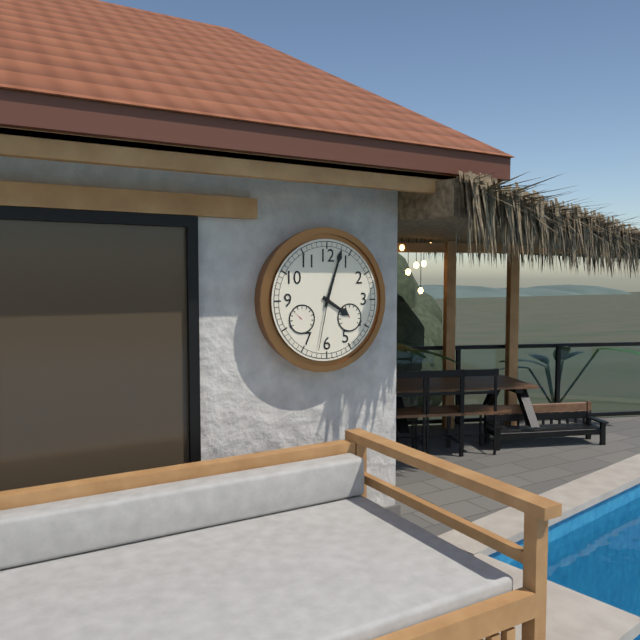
4:03:32
